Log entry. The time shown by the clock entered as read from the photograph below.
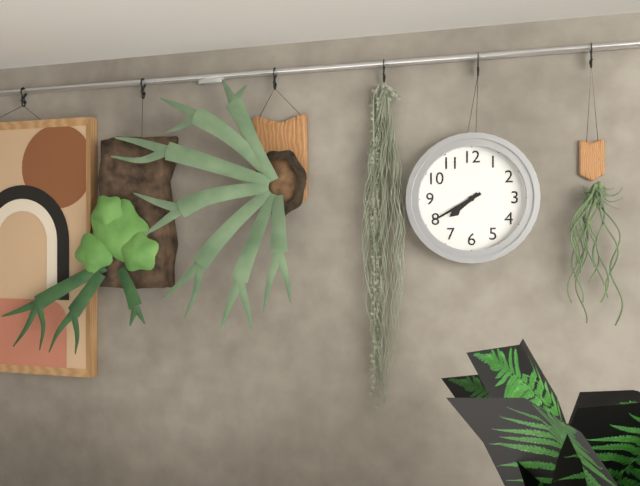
7:40
